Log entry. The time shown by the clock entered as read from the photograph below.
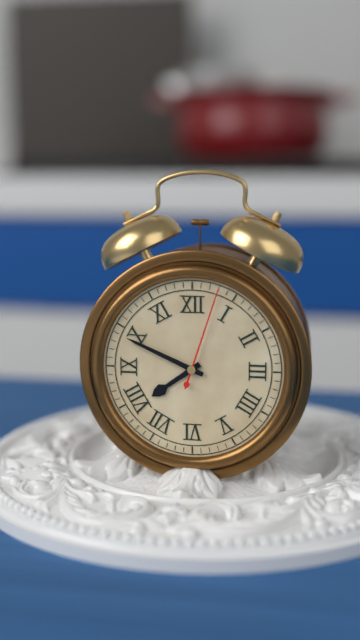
7:49:03
